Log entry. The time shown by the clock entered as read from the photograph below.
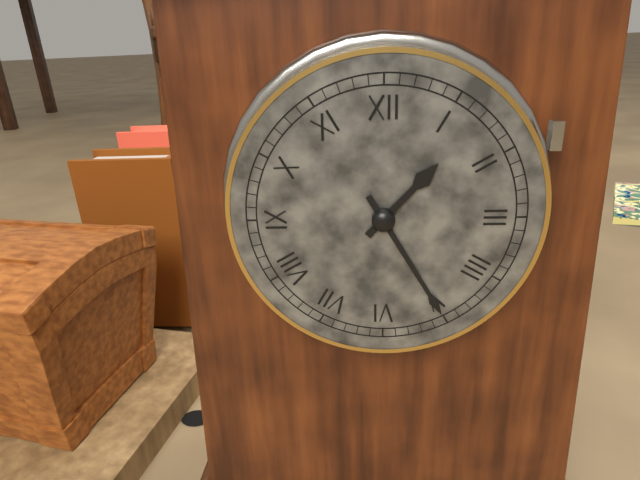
1:25
